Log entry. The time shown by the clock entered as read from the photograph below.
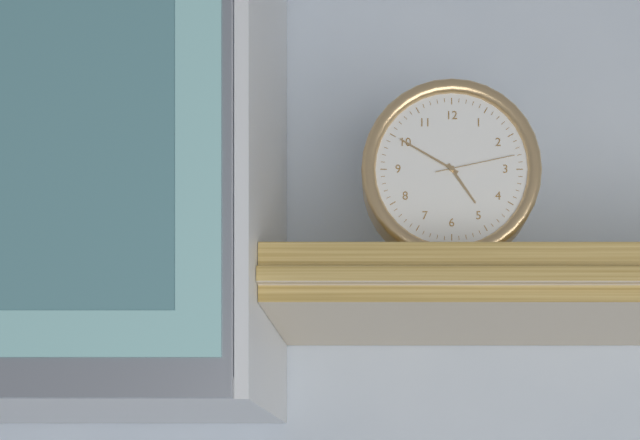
4:50:13
